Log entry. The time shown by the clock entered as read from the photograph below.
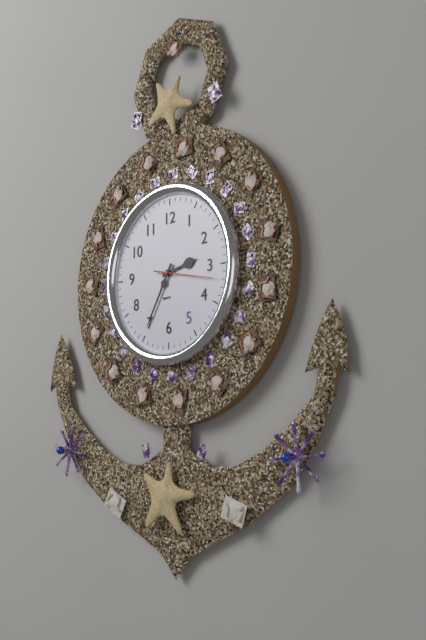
2:35:17
